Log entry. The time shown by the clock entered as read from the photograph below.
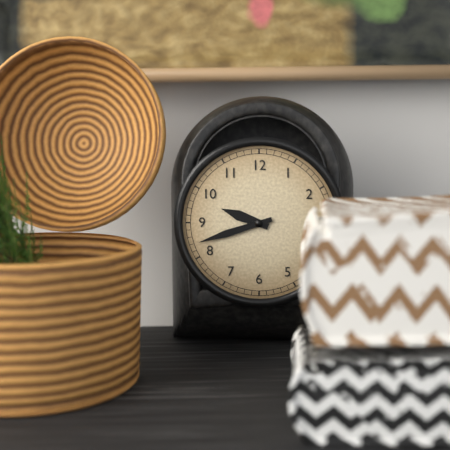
9:42
